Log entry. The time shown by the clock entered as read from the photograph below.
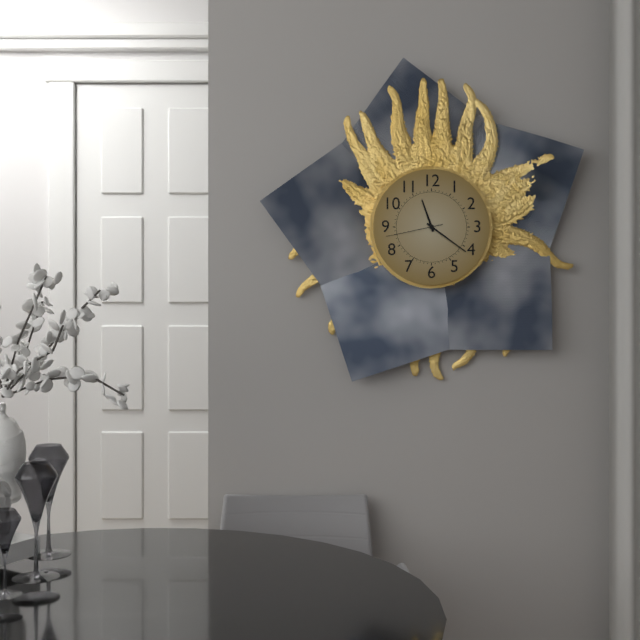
11:21:43
